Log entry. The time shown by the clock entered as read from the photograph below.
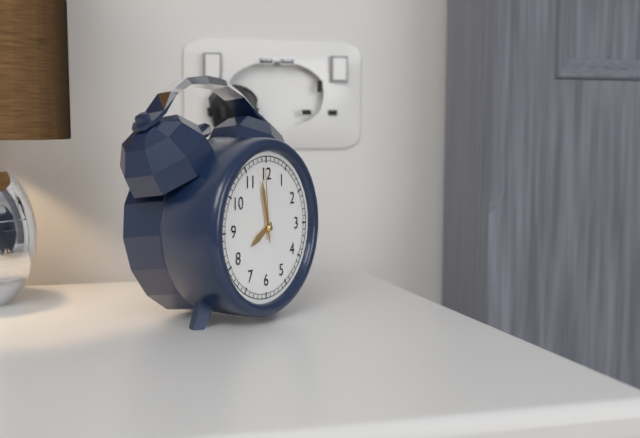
7:58:59
